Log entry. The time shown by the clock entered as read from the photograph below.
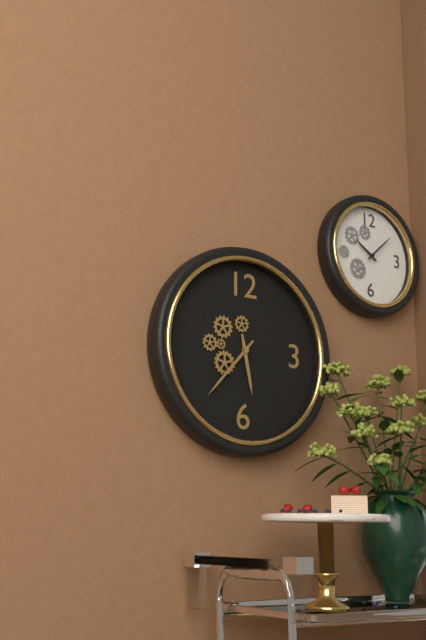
5:37
